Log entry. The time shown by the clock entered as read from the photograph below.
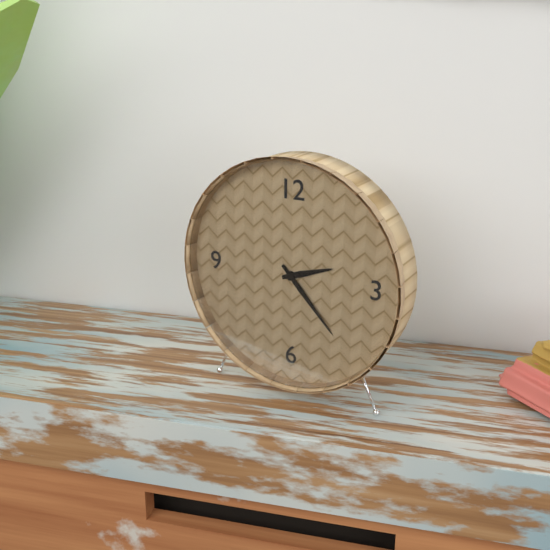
2:23
